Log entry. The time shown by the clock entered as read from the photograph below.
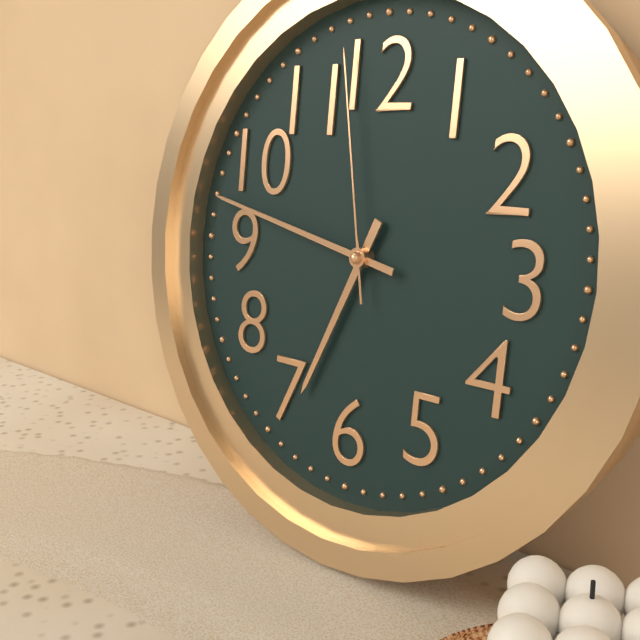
6:47:58
